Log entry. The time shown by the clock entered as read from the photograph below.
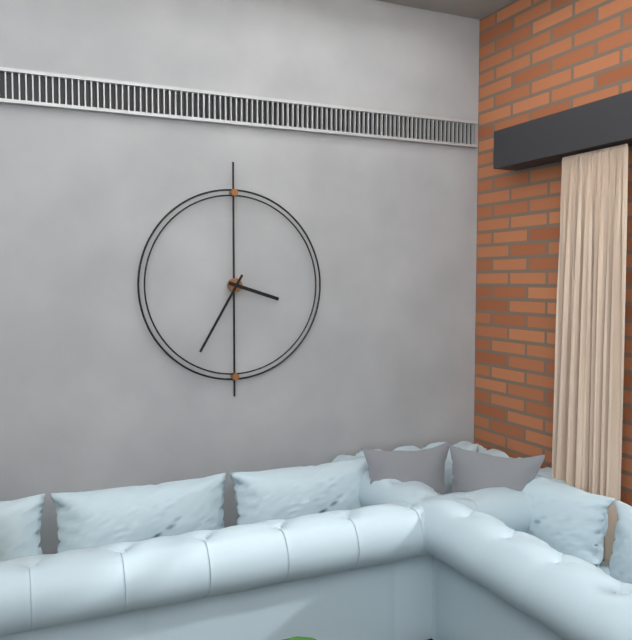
3:35
